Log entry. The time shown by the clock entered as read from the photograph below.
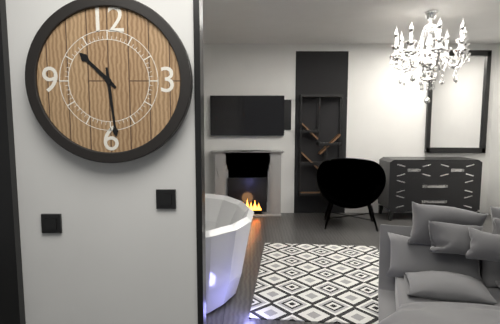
10:29
